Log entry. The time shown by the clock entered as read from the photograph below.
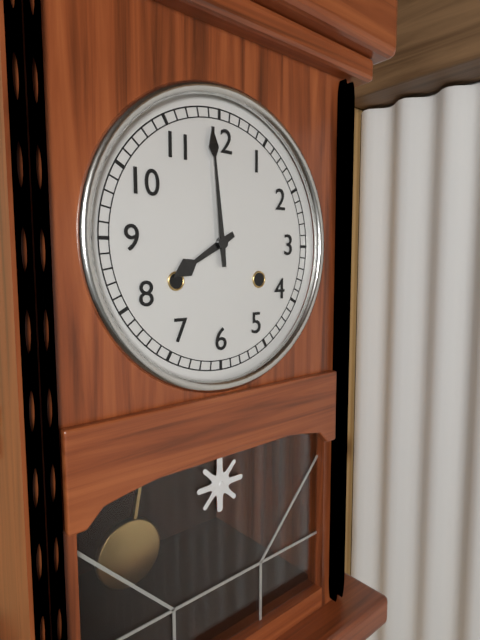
7:59
